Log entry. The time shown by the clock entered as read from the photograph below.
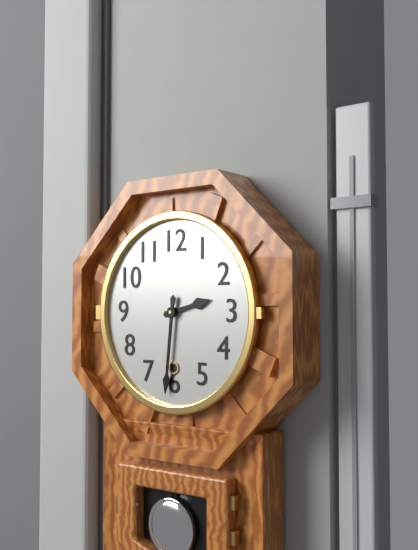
2:31
